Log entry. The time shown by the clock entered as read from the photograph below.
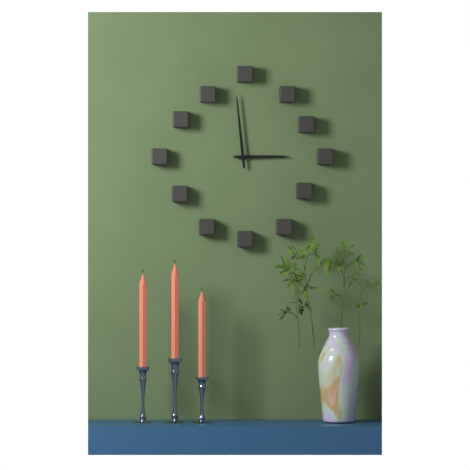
2:59
